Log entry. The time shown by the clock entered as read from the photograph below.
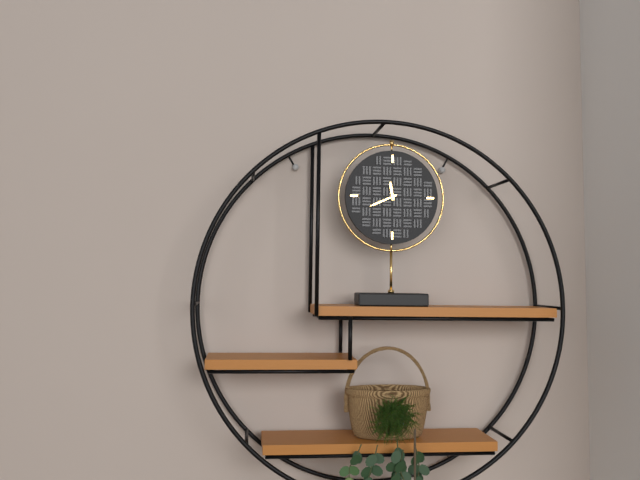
11:41
